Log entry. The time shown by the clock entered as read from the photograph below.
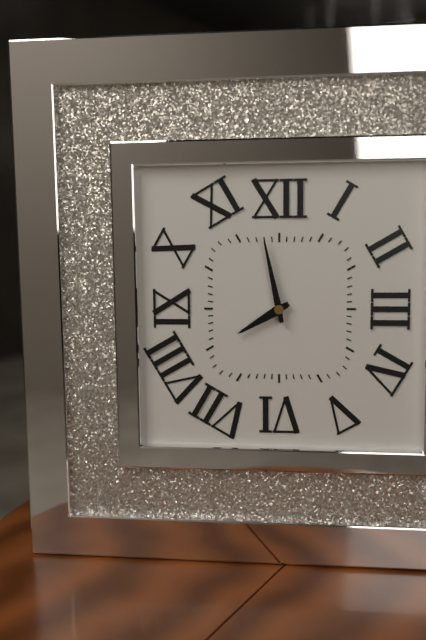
7:58
